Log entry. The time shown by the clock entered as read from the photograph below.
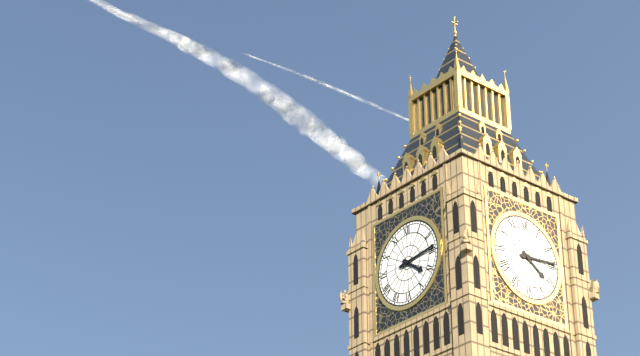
4:14
